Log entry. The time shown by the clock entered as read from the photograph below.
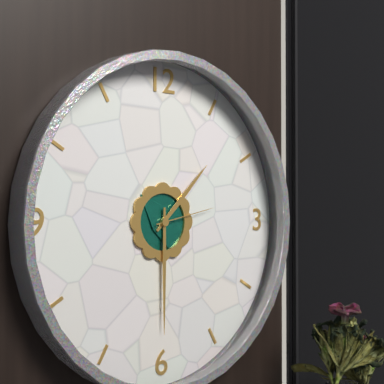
1:30:13
